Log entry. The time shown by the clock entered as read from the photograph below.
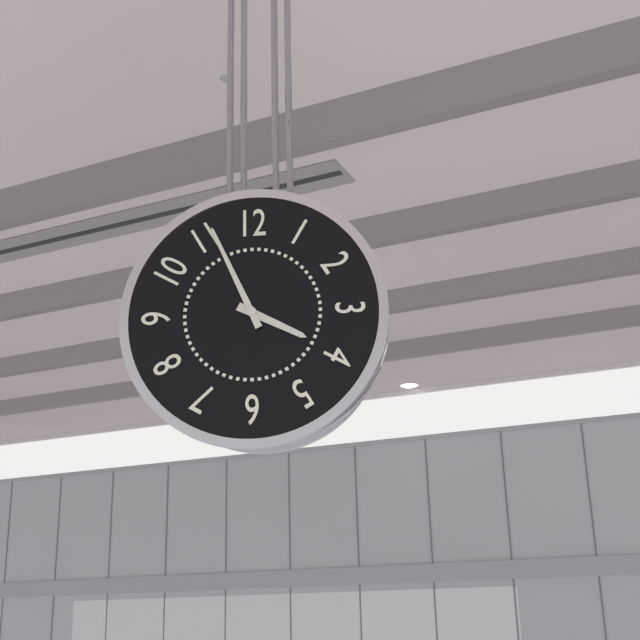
3:56
